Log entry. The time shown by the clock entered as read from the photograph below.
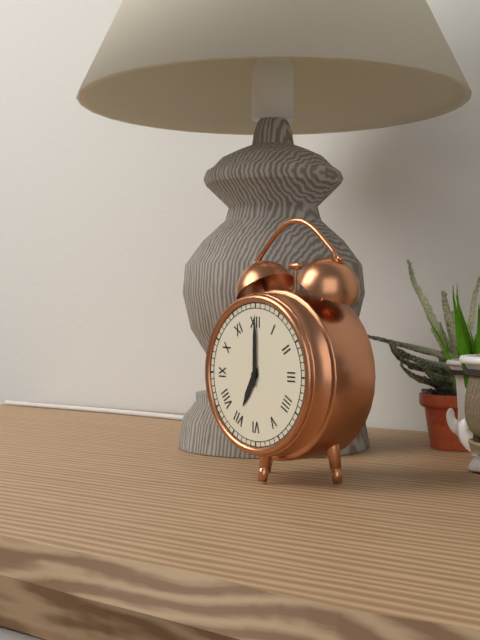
7:00
